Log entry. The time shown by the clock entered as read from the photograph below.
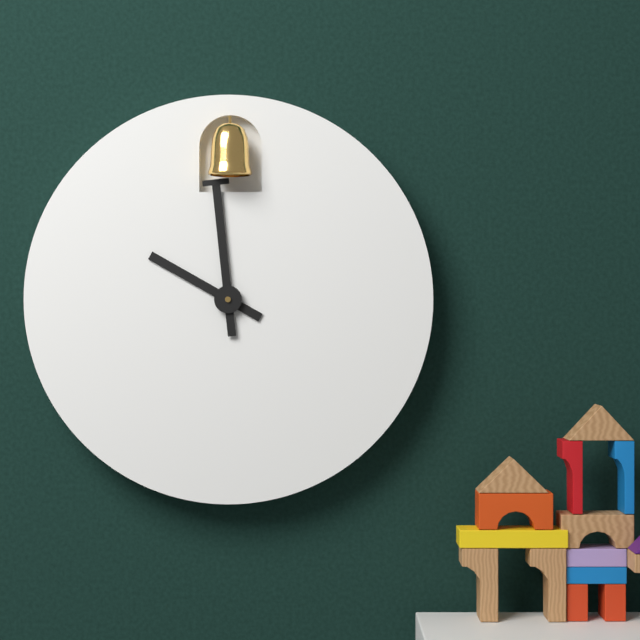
9:59
